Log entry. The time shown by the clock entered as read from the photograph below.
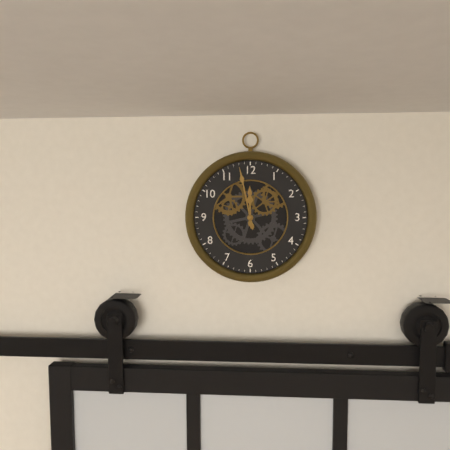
11:58
